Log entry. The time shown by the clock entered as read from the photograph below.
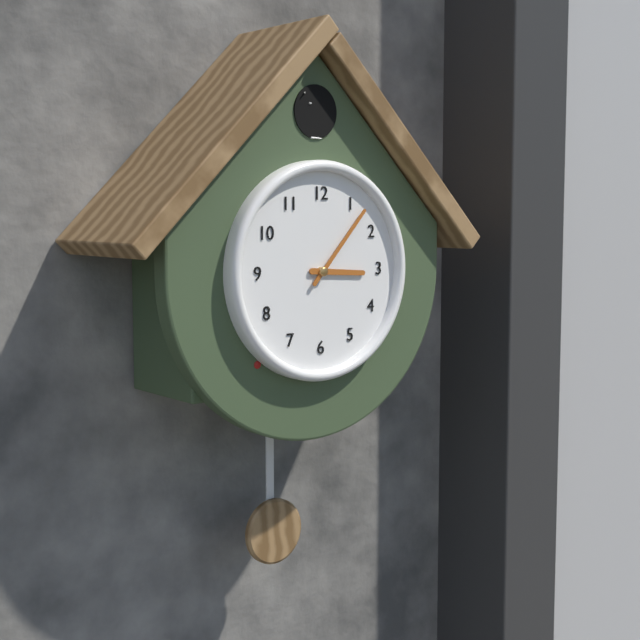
3:07
